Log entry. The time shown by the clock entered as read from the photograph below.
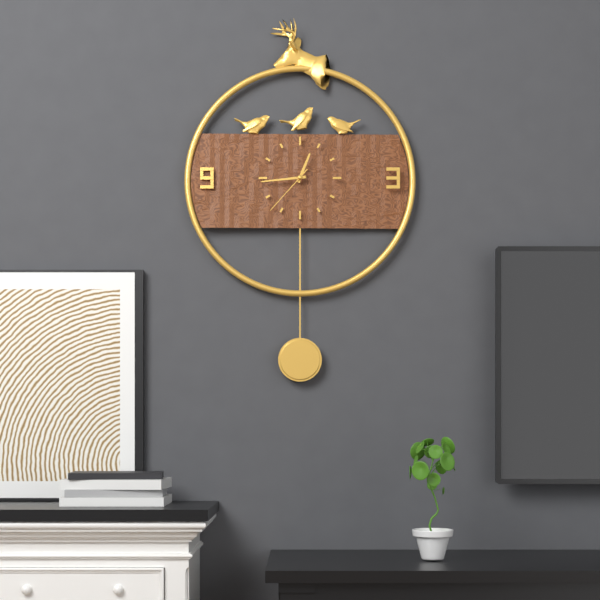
12:44:37
